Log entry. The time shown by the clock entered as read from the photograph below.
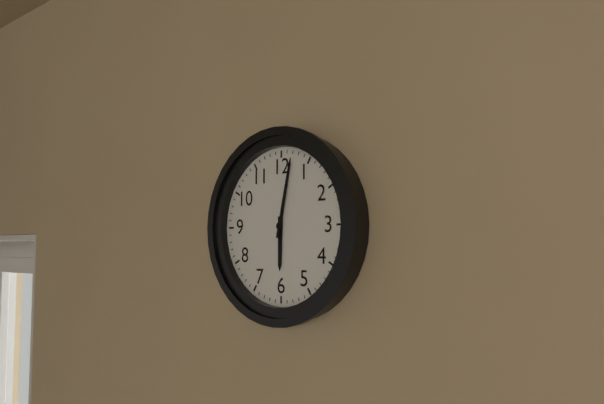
6:02
